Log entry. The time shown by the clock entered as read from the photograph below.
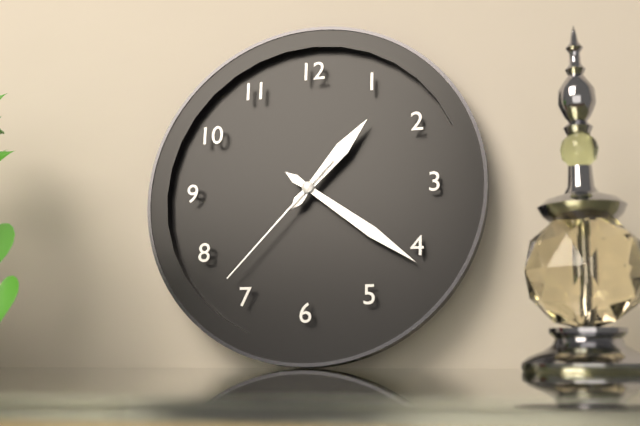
1:21:37
